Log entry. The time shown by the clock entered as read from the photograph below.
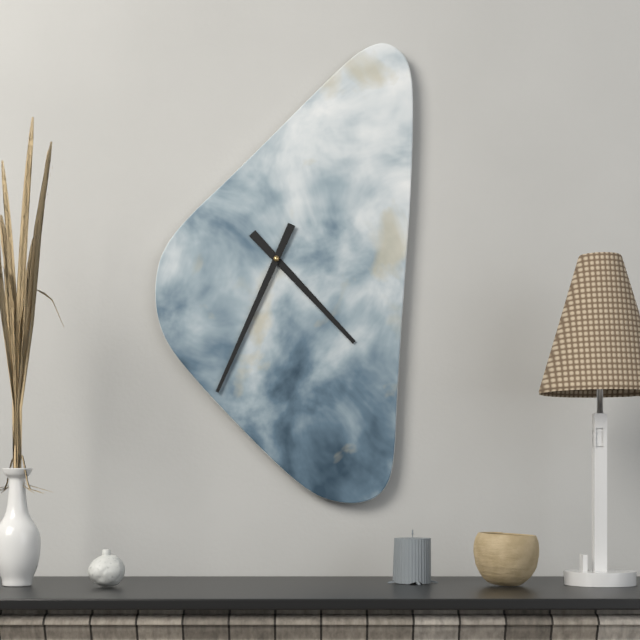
4:34
